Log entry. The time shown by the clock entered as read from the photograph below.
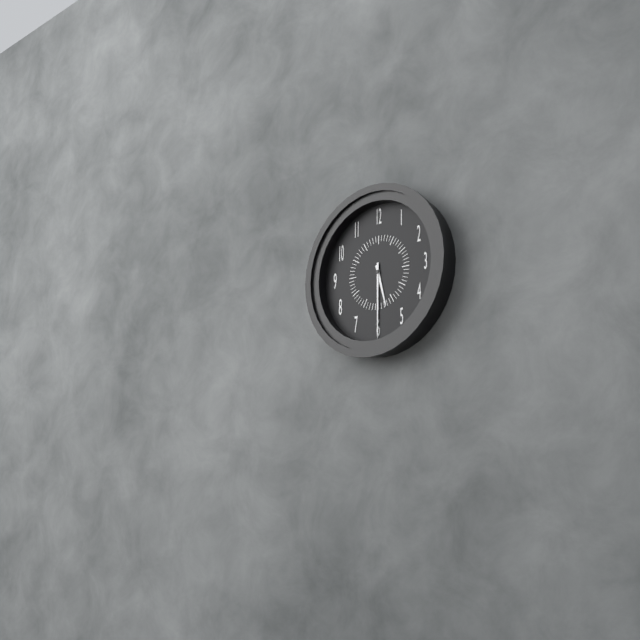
5:30
